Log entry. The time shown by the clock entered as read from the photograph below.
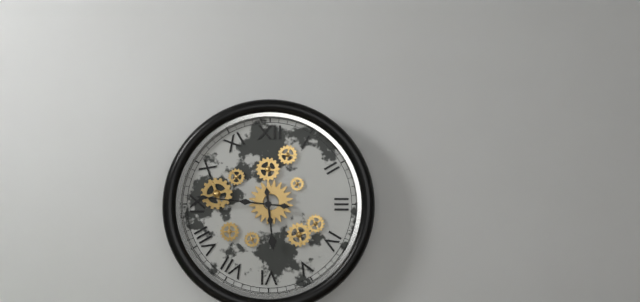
5:46
